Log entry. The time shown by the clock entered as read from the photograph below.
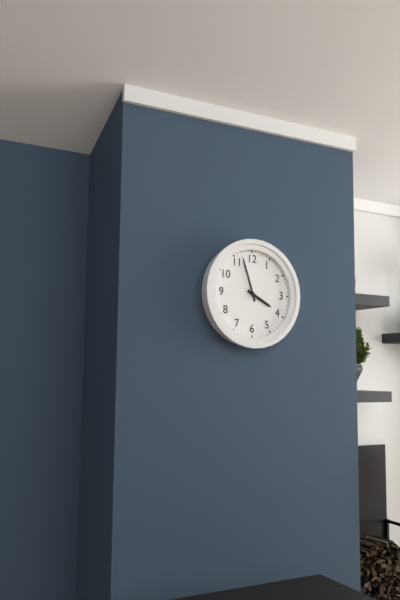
3:57
